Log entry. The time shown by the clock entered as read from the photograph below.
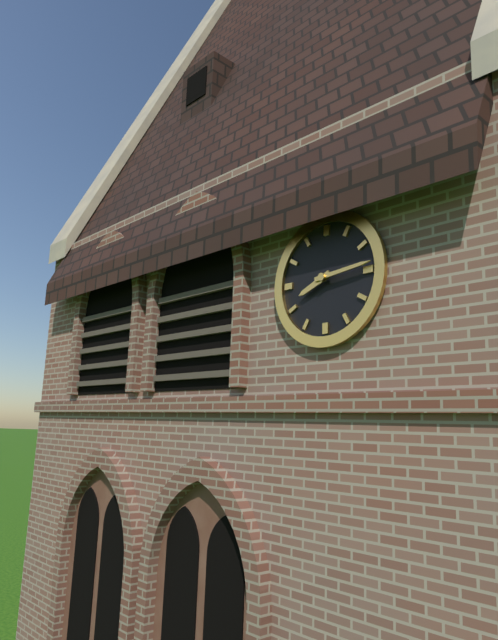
8:14
